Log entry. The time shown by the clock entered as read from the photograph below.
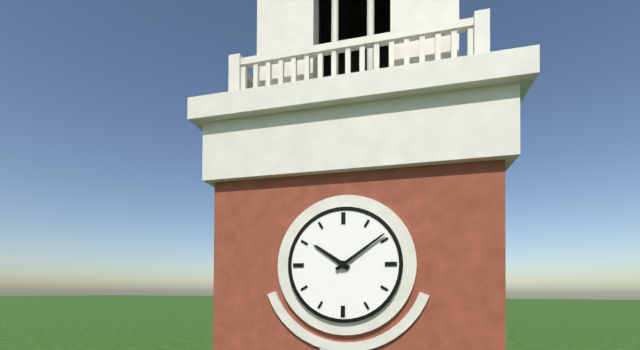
10:09
